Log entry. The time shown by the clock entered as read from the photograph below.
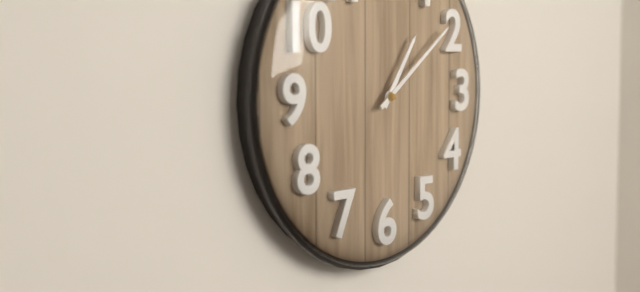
1:09
